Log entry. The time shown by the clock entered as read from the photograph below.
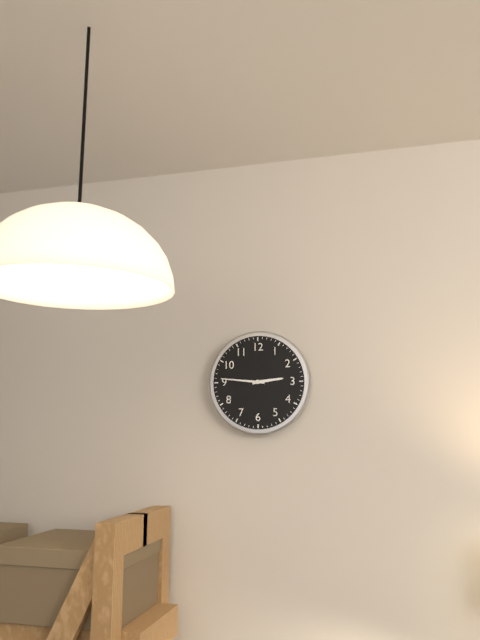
2:46
